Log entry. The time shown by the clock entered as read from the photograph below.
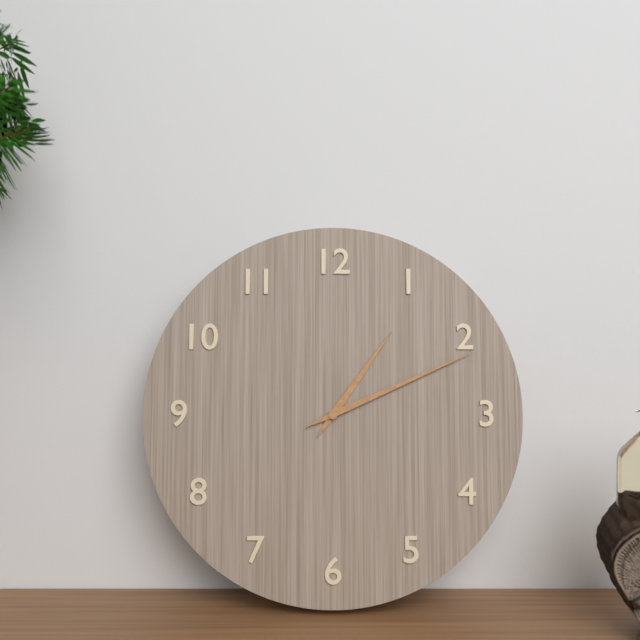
1:11
